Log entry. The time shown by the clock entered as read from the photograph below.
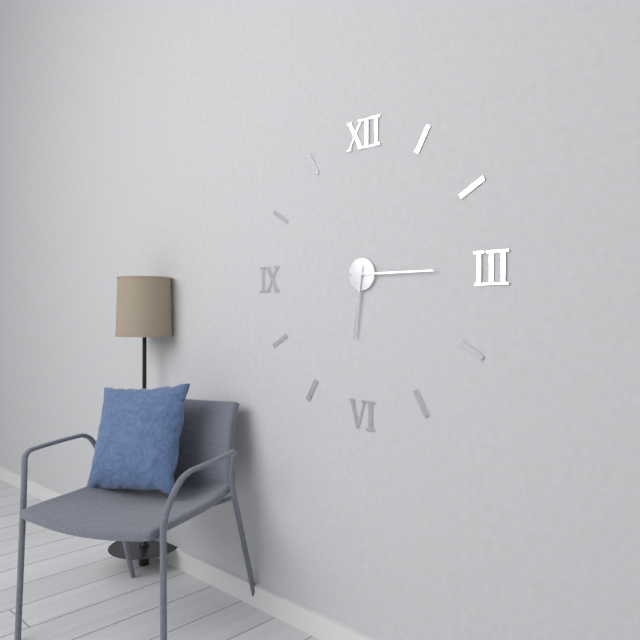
6:15
